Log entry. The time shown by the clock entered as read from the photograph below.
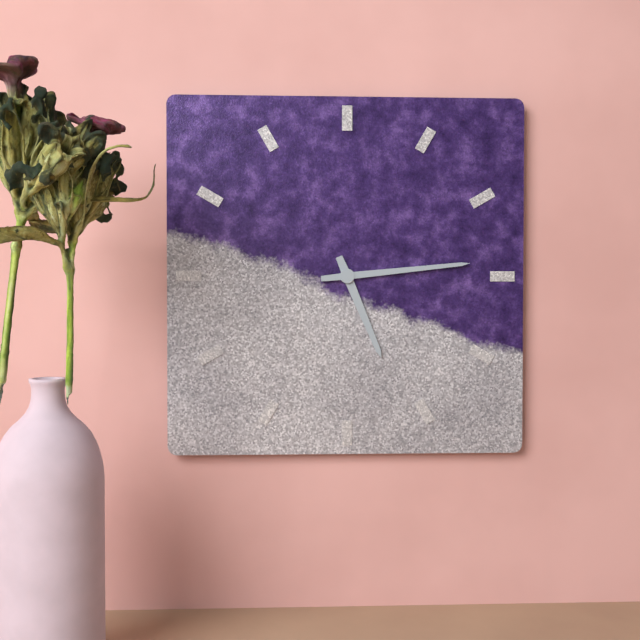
5:14
